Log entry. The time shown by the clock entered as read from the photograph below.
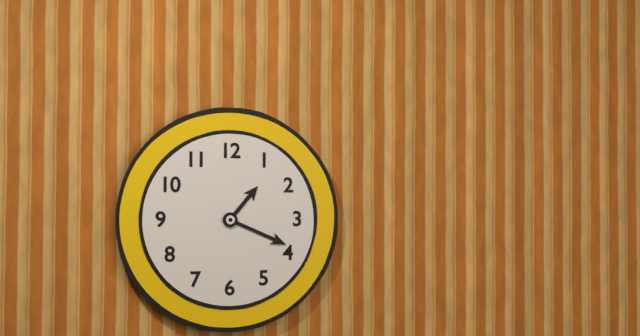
1:19
